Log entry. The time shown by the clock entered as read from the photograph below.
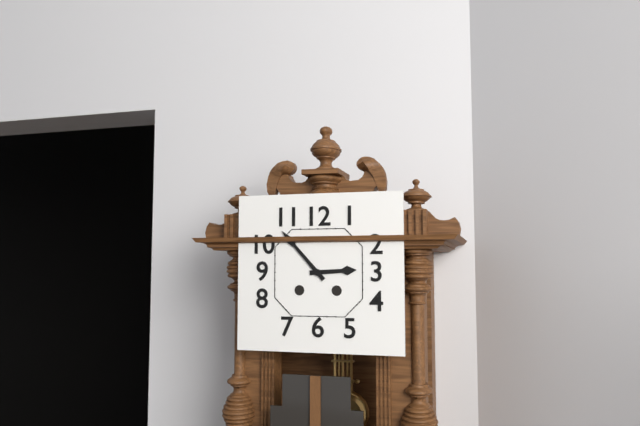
2:53
